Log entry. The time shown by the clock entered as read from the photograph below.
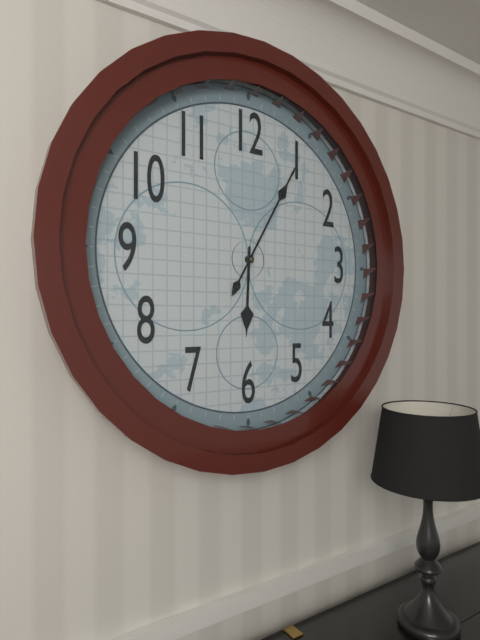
6:05
